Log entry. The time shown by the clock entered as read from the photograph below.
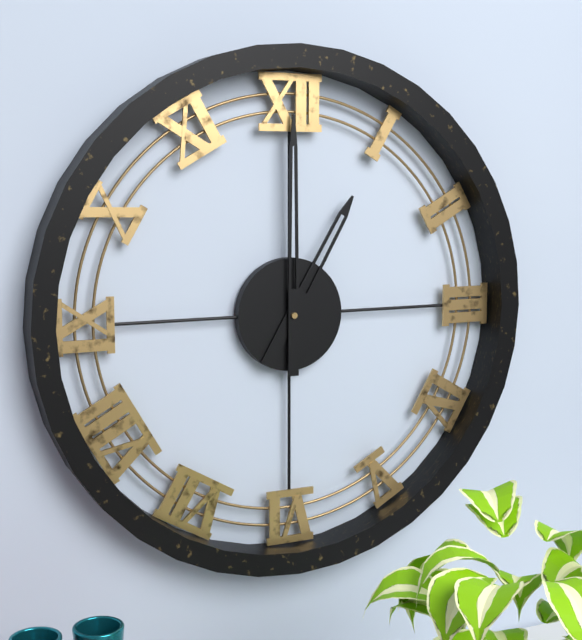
1:00
